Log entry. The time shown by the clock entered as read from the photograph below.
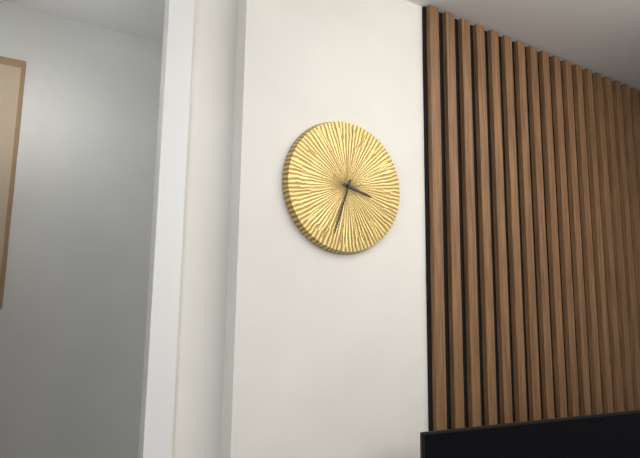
3:33
